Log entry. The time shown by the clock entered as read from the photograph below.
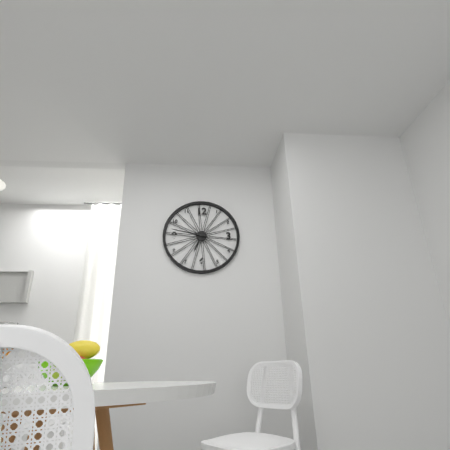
6:47
